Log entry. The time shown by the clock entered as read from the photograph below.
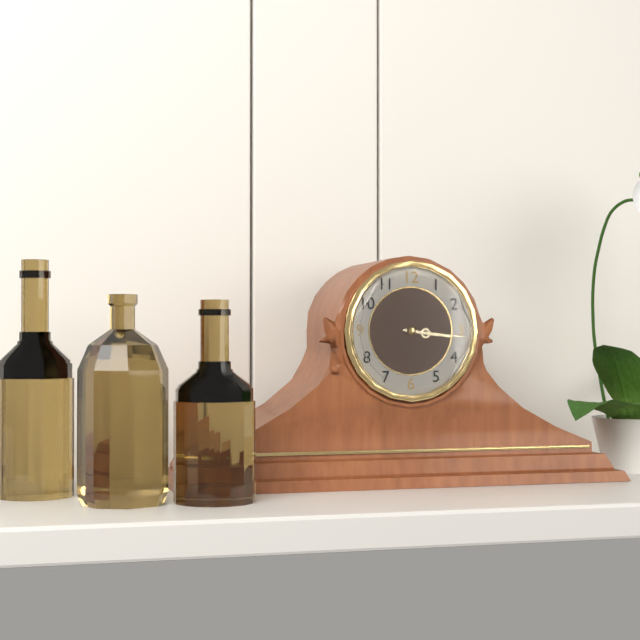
3:16
